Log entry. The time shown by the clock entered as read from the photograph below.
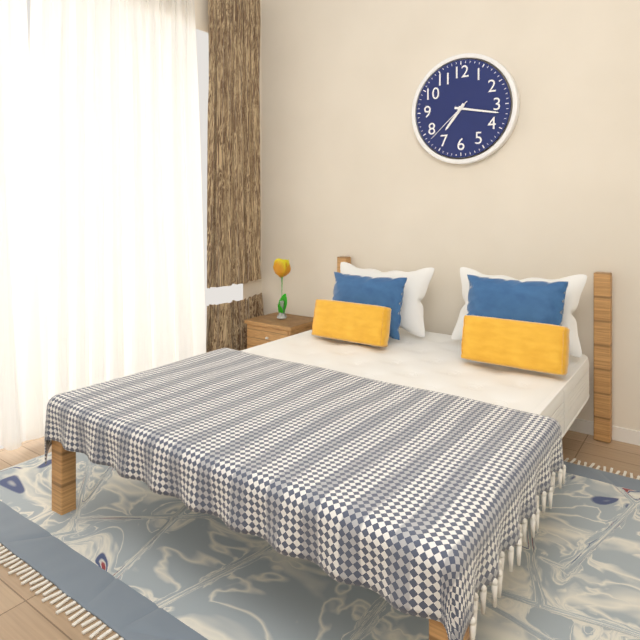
7:17:38
